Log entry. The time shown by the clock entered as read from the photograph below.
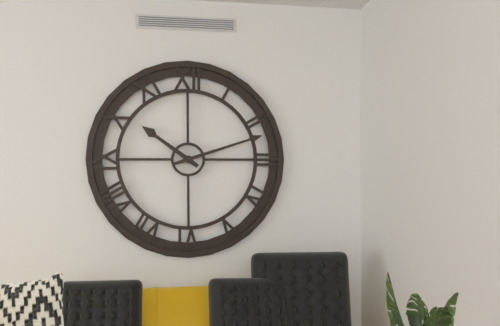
10:12
